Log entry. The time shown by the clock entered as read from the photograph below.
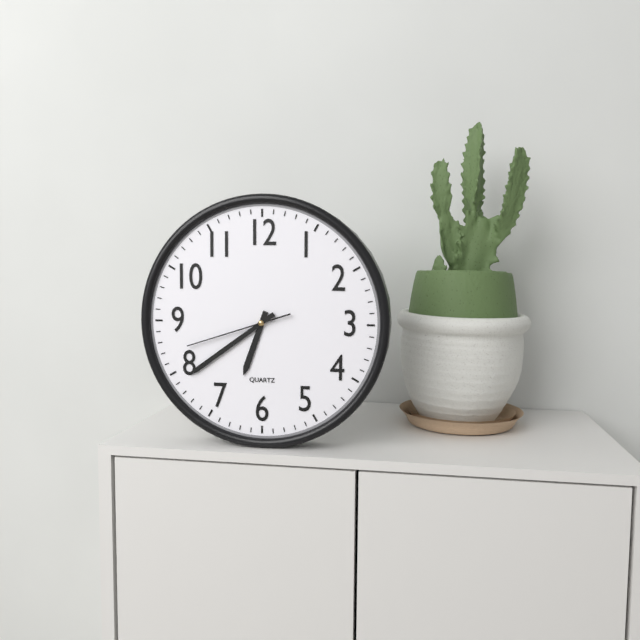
6:39:42
